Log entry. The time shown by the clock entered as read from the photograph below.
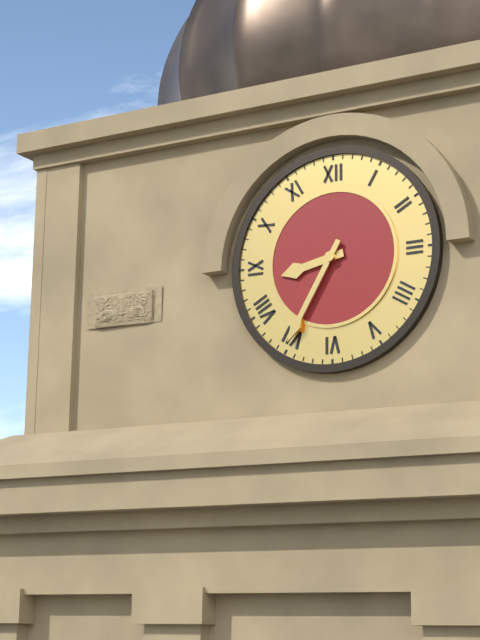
8:35
